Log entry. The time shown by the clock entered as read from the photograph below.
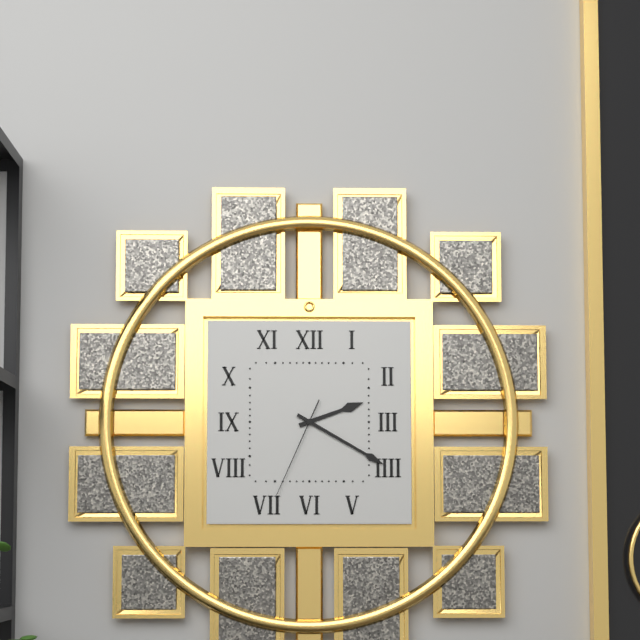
2:20:34
